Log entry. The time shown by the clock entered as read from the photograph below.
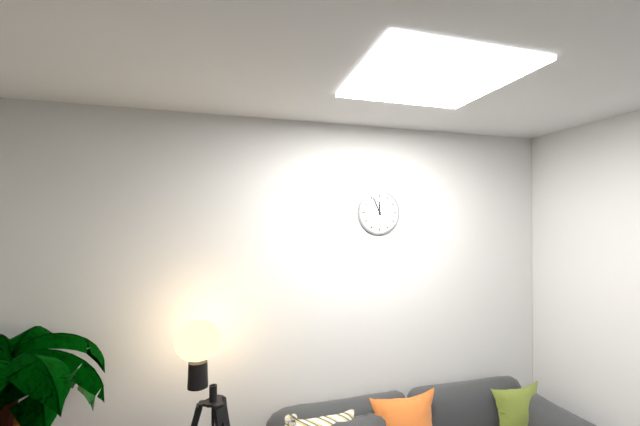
11:56
